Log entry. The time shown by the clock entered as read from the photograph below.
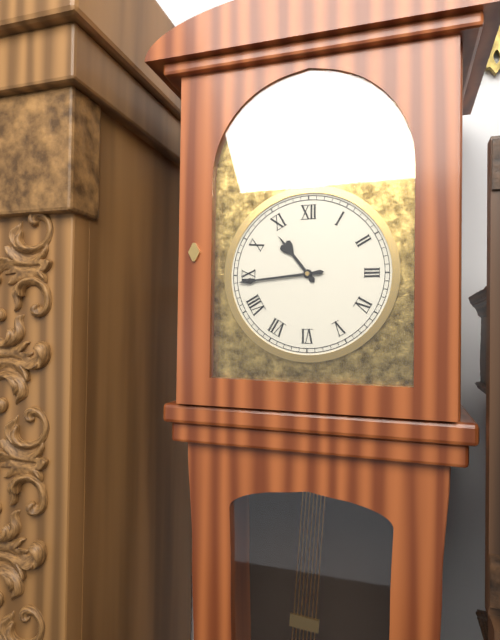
10:44
